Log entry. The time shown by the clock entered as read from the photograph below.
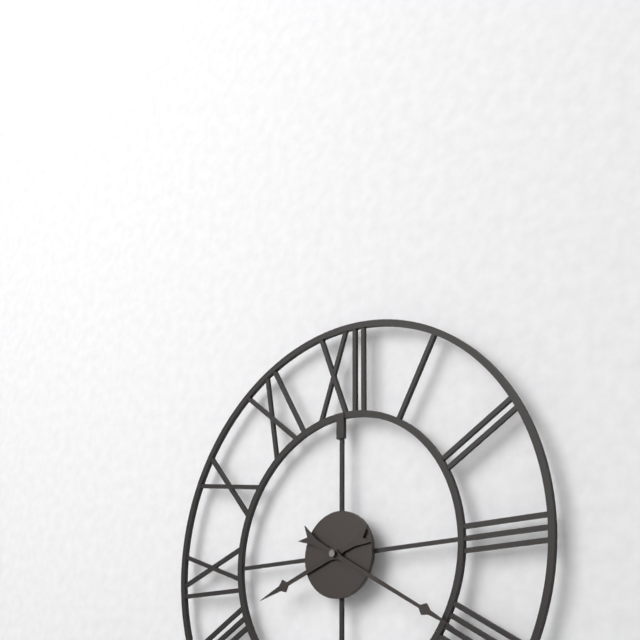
8:20
